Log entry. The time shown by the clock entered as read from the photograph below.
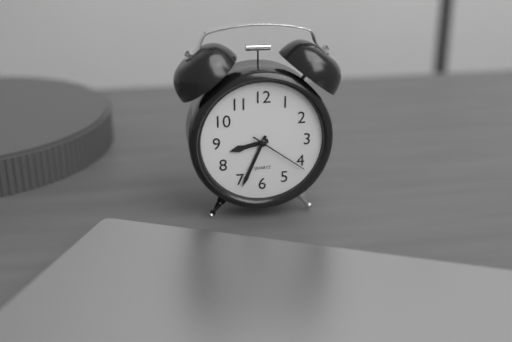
8:34:21
